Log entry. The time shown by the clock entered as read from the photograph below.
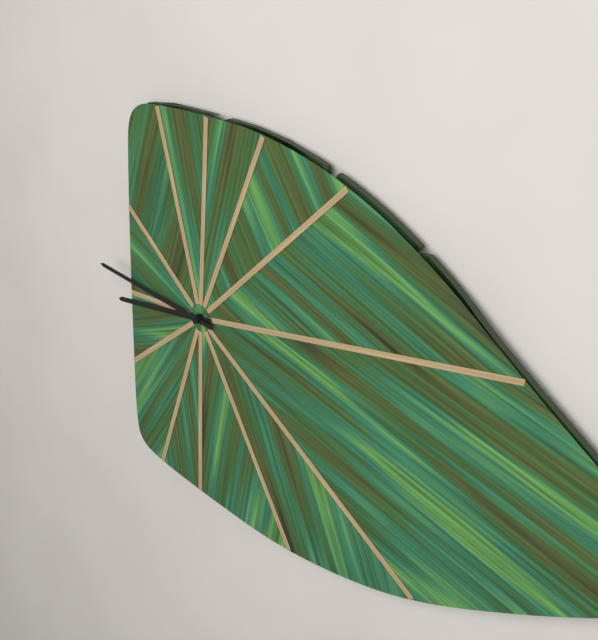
8:46
